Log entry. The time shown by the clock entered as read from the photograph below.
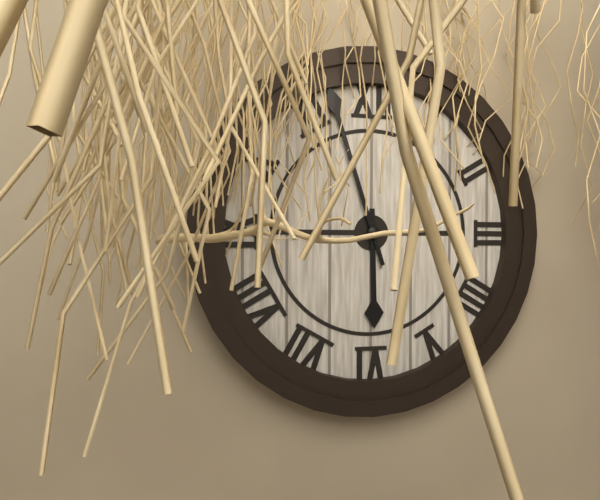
5:57
